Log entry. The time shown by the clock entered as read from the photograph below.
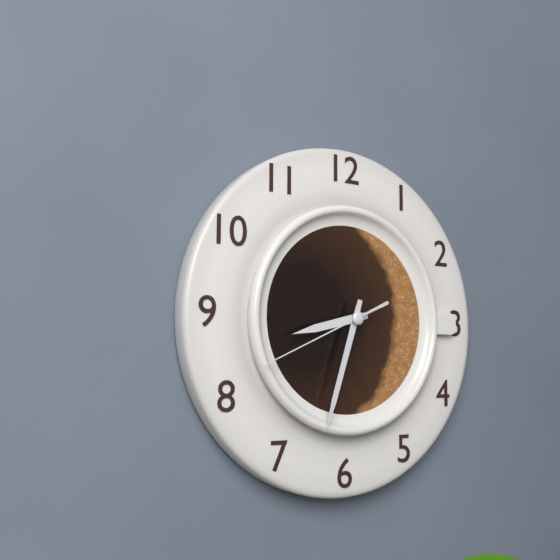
8:33:41
